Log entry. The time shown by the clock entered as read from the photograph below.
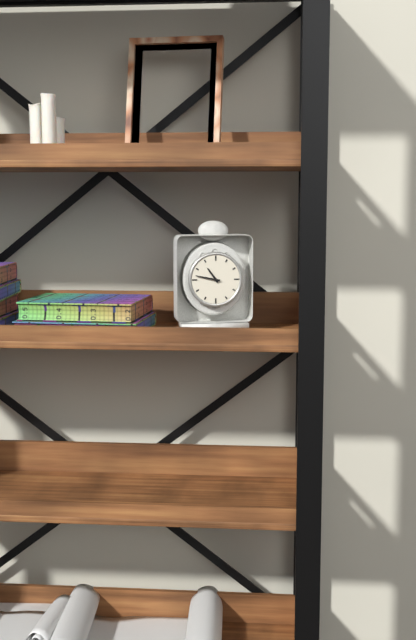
10:47
